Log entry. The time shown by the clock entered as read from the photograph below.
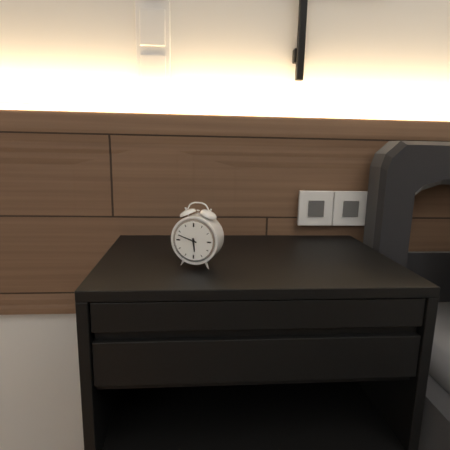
5:48
